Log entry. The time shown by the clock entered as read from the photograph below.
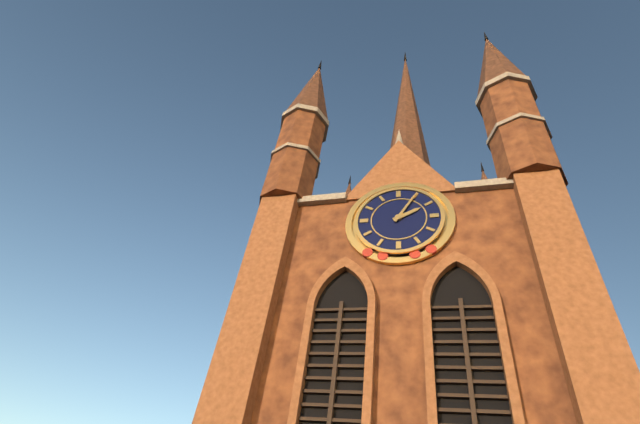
2:05
